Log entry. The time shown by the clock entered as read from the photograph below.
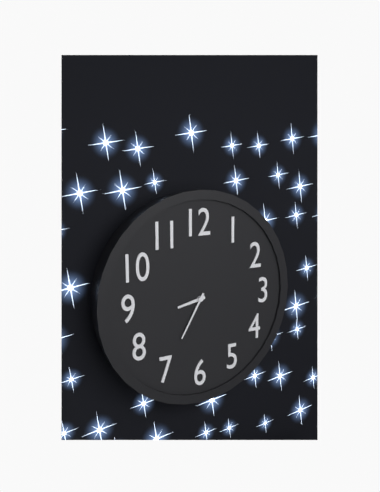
8:35
